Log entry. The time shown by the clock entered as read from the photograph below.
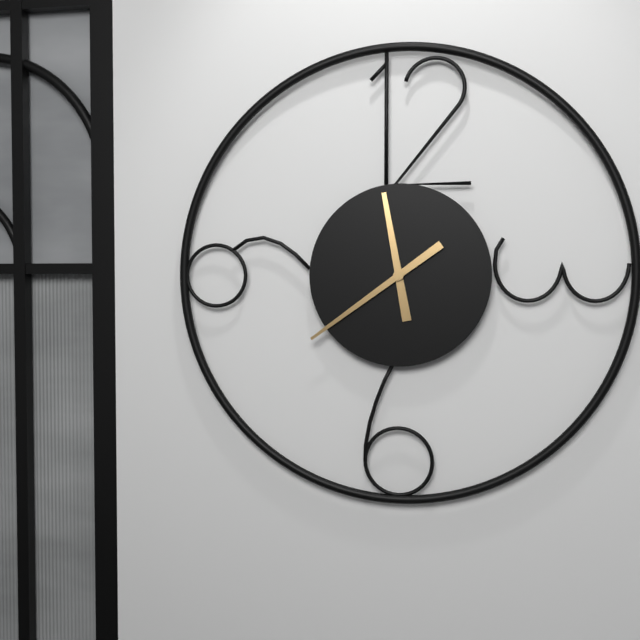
11:39
